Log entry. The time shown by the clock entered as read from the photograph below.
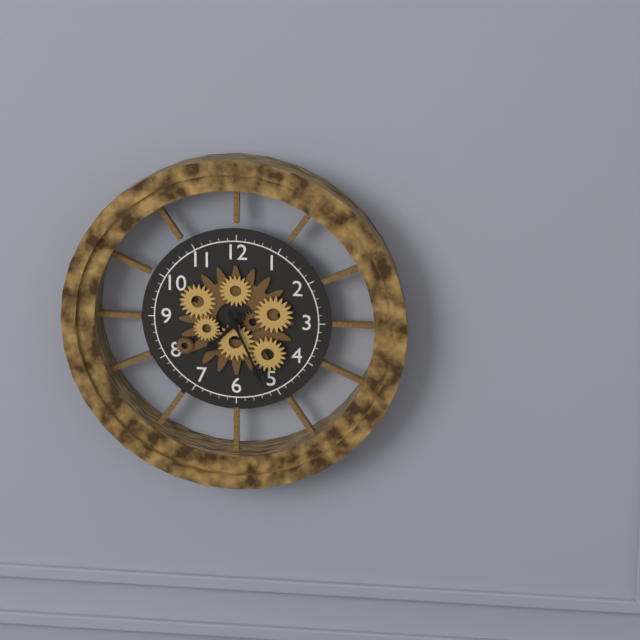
7:26
